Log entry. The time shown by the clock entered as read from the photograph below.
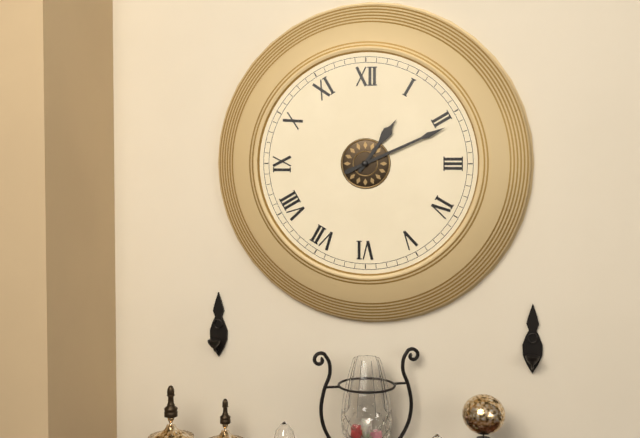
1:11
